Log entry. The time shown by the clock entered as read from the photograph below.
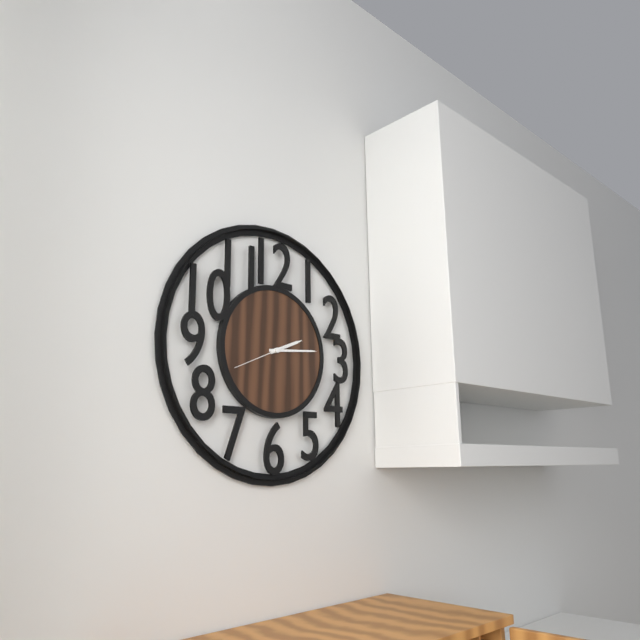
2:14:41
